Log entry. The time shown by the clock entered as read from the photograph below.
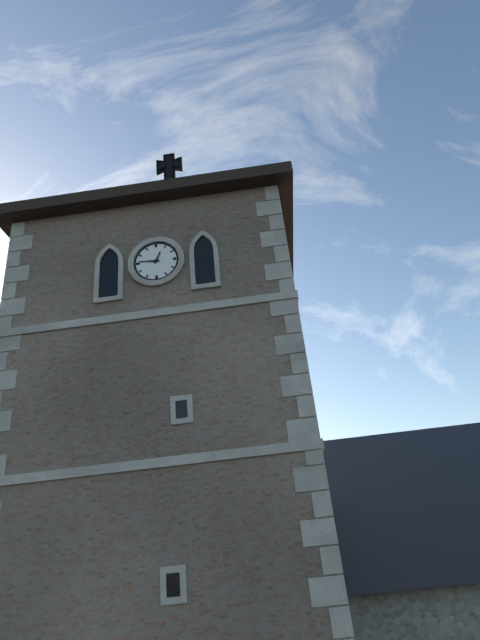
12:46
